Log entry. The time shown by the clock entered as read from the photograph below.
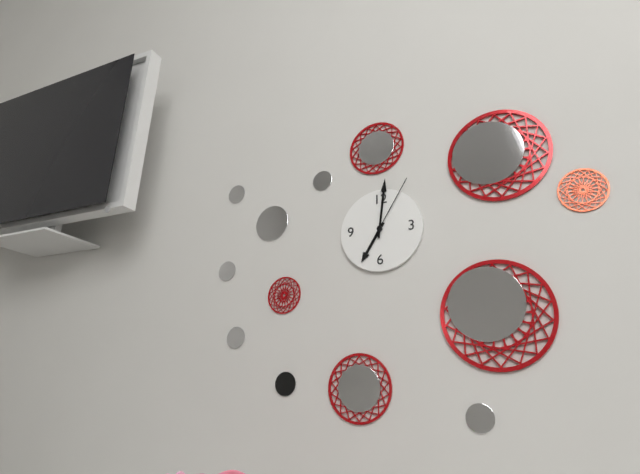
7:01:05
